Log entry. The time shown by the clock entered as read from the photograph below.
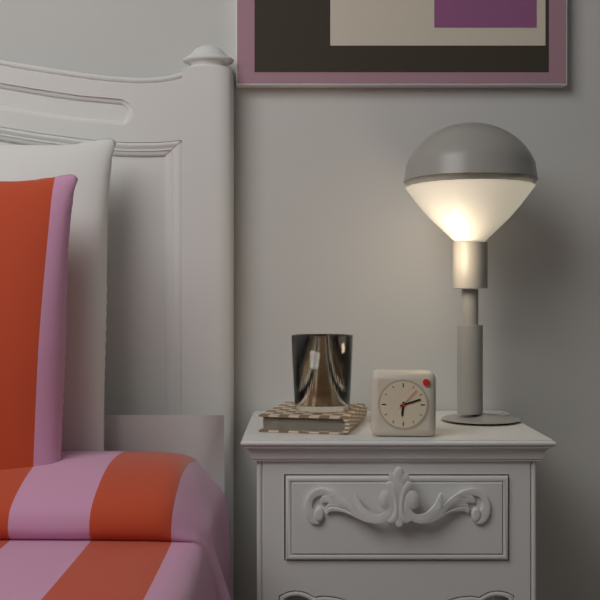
6:12
